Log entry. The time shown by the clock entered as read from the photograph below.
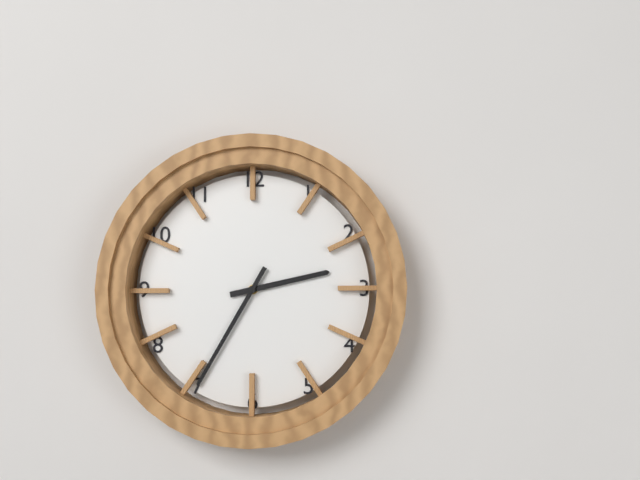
2:35
